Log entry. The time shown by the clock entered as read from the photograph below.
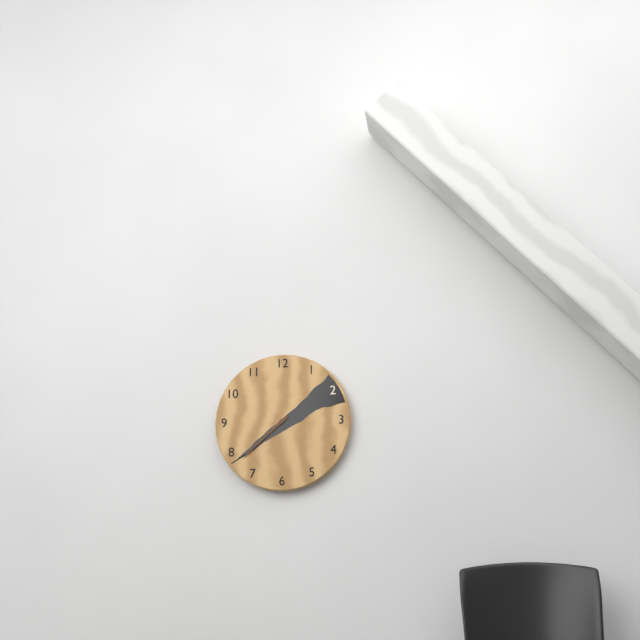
7:38
